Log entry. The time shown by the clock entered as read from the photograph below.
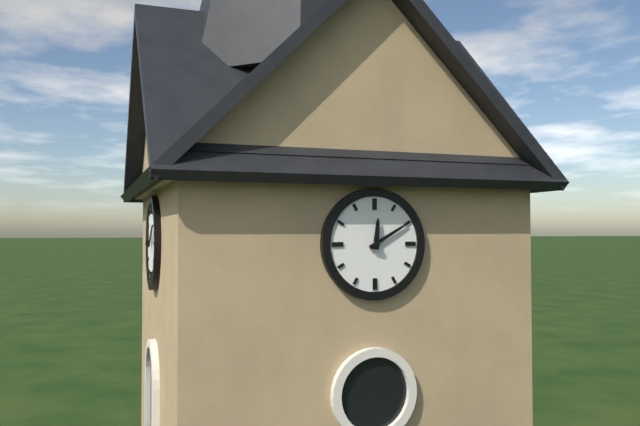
12:10
